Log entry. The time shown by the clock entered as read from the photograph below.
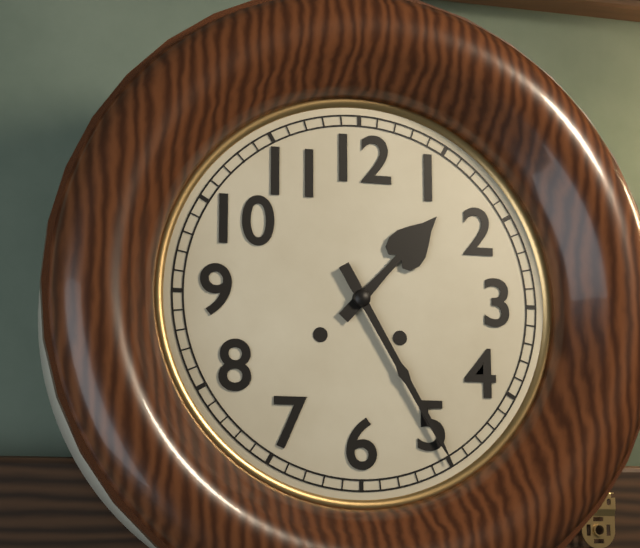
1:25
